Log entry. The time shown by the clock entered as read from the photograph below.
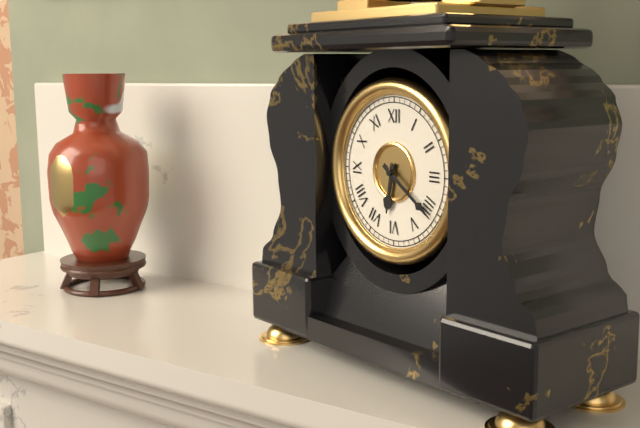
6:21
